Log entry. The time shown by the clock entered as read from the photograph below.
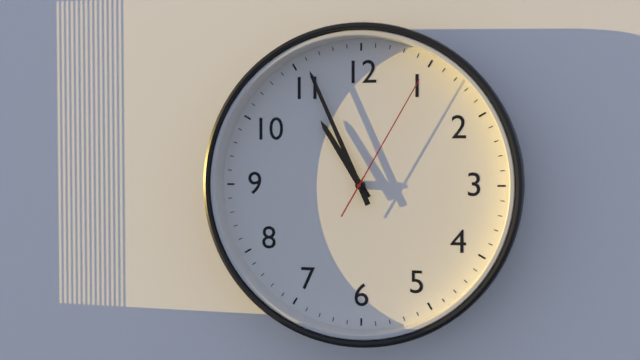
10:56:05
